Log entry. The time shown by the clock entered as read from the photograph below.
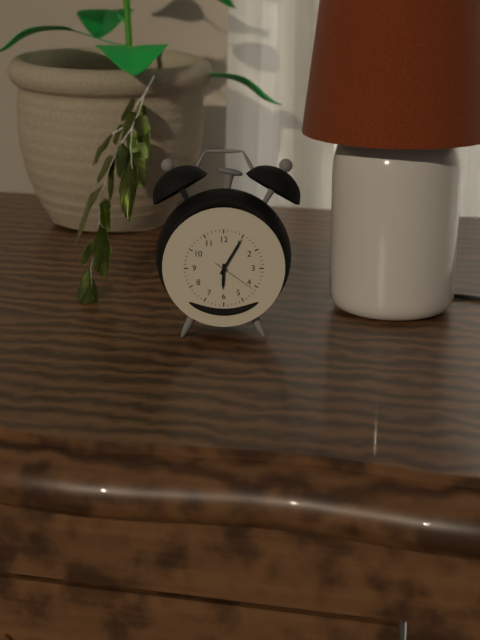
6:05
